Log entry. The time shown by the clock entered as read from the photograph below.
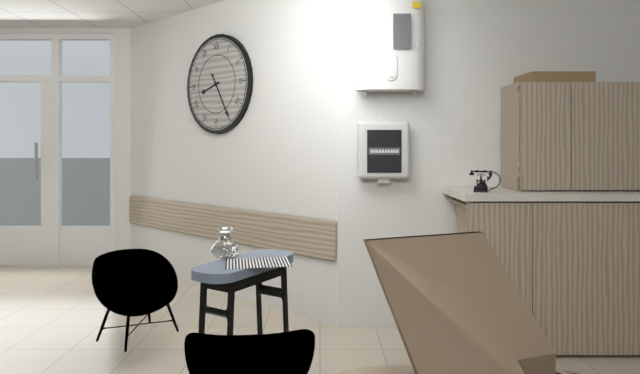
8:25
